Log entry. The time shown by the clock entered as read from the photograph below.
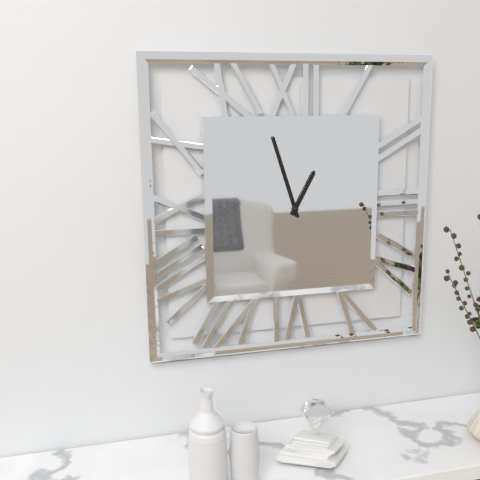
12:57
